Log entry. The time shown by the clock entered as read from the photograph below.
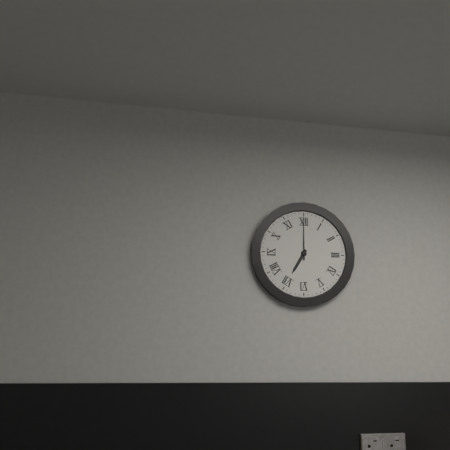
7:00
